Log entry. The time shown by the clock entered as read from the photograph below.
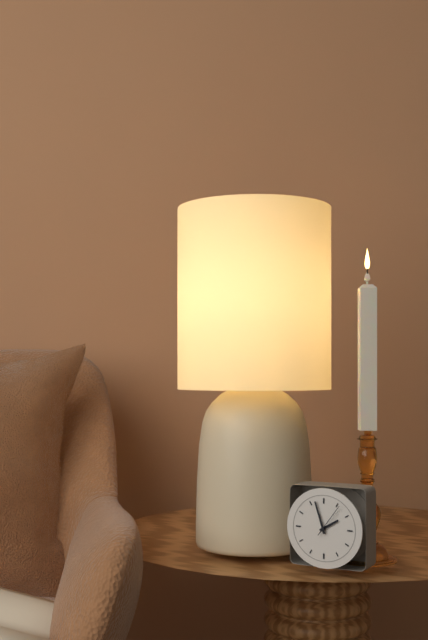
1:57
